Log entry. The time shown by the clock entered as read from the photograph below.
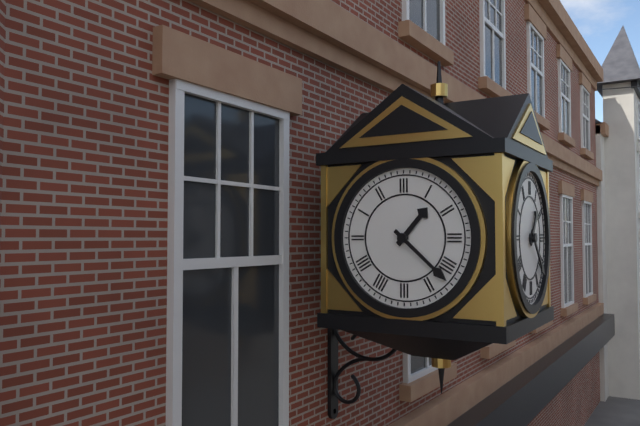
1:22
